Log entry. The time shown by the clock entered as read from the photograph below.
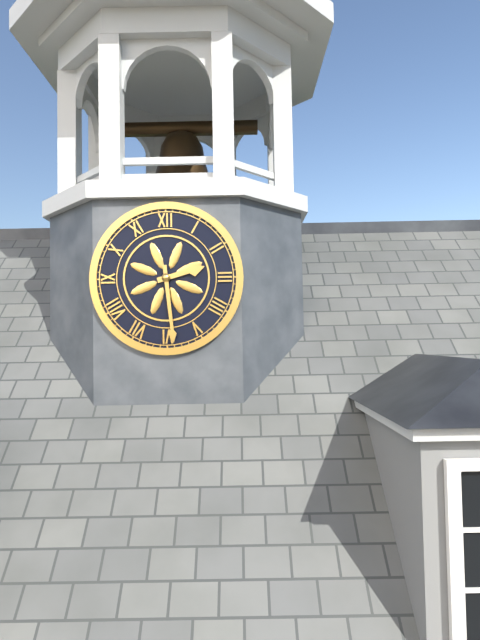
2:29
